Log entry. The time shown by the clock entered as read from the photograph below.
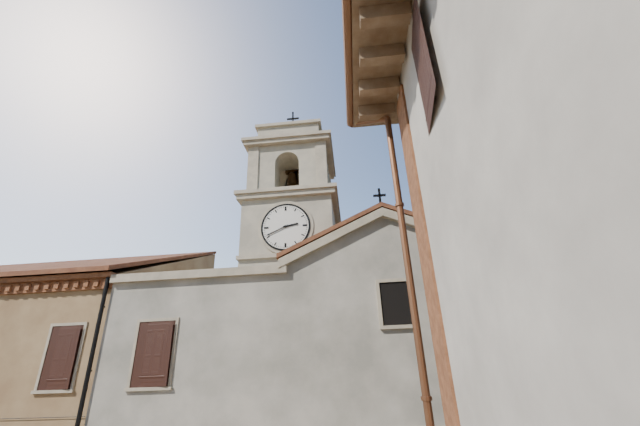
2:41
